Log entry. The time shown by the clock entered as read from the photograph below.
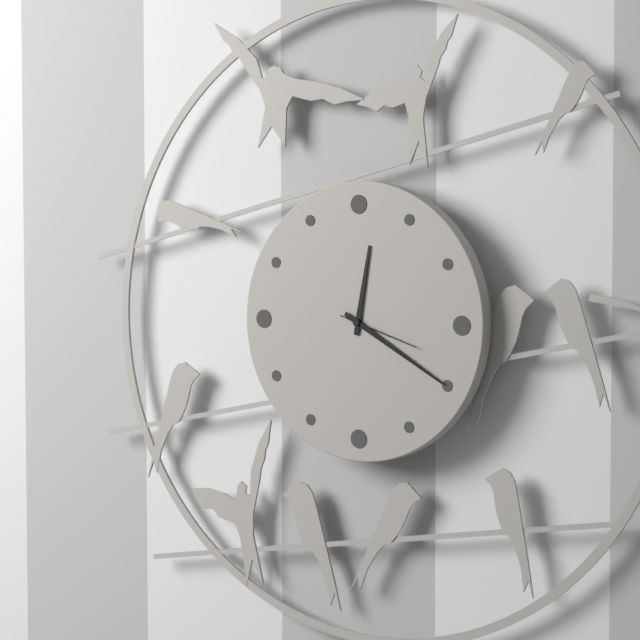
12:20:18
